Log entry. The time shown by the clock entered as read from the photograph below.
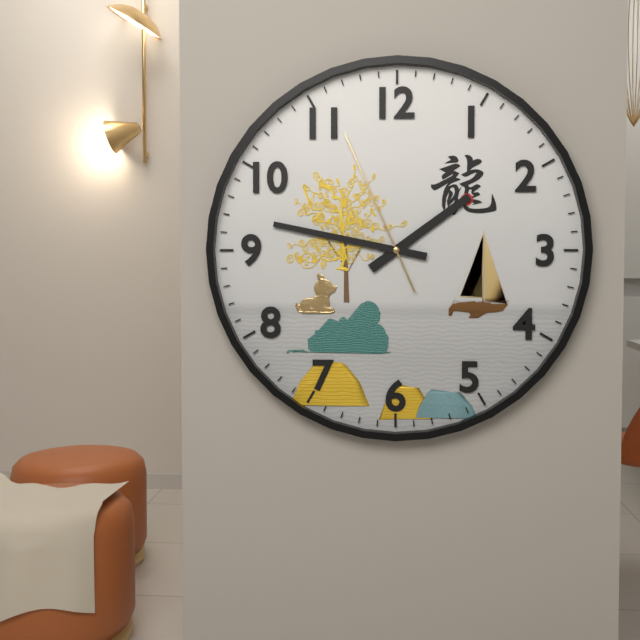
1:47:56
